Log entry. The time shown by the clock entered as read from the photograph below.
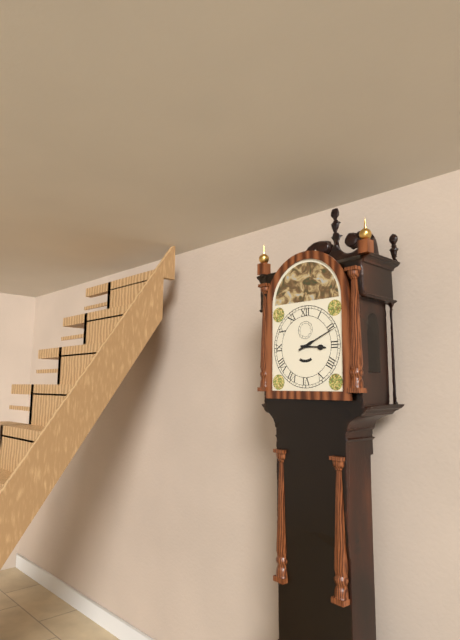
3:11
